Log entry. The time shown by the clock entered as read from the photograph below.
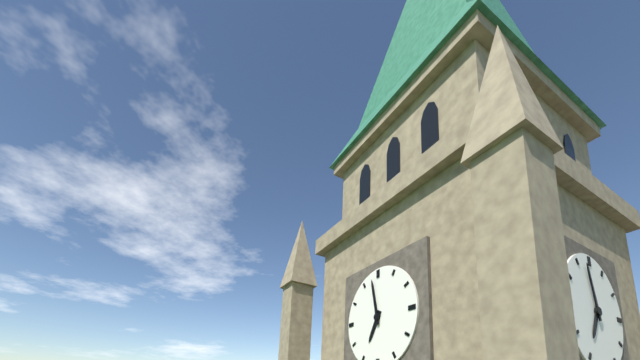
6:58
